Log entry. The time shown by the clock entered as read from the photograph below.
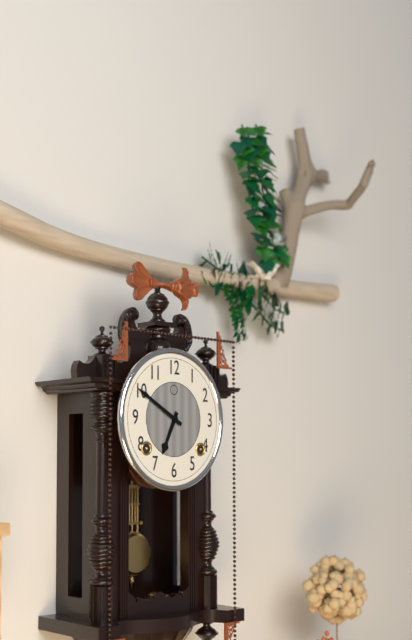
6:50
